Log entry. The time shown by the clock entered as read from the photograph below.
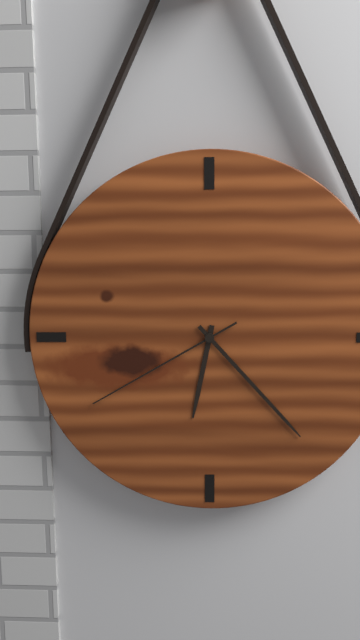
6:23:40
